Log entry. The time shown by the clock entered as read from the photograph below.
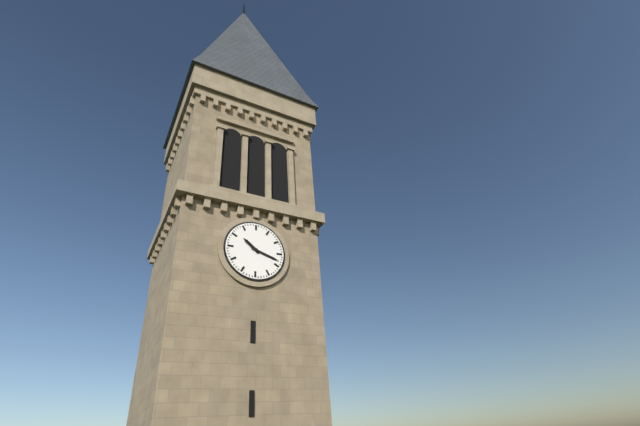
10:18
